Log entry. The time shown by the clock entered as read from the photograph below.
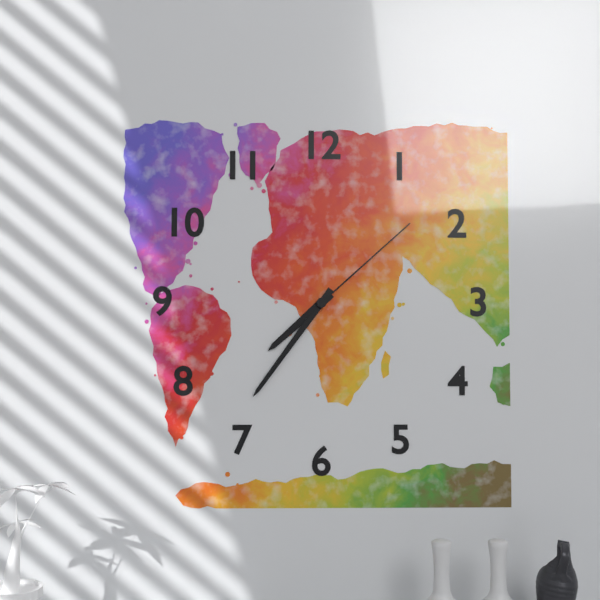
7:36:08
